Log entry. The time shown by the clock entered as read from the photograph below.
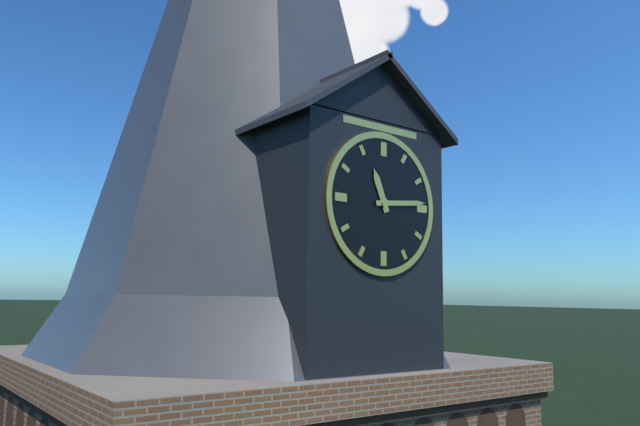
11:14
